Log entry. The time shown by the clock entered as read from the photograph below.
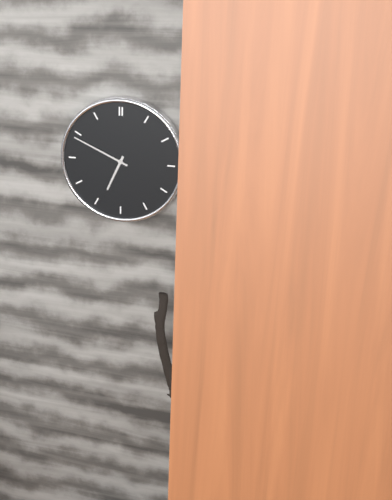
6:49
